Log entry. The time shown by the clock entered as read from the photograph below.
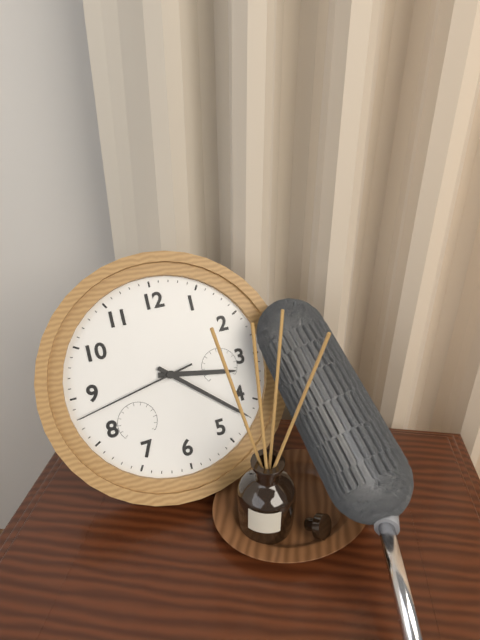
3:22:43
